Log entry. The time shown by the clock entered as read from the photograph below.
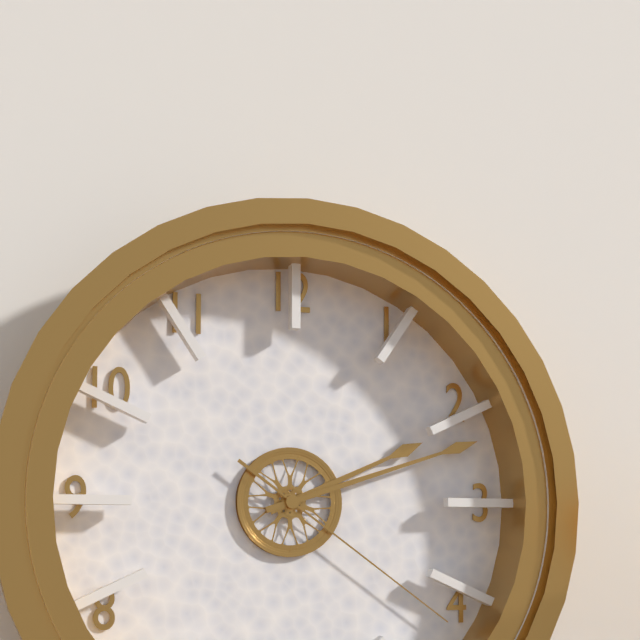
2:12:21
